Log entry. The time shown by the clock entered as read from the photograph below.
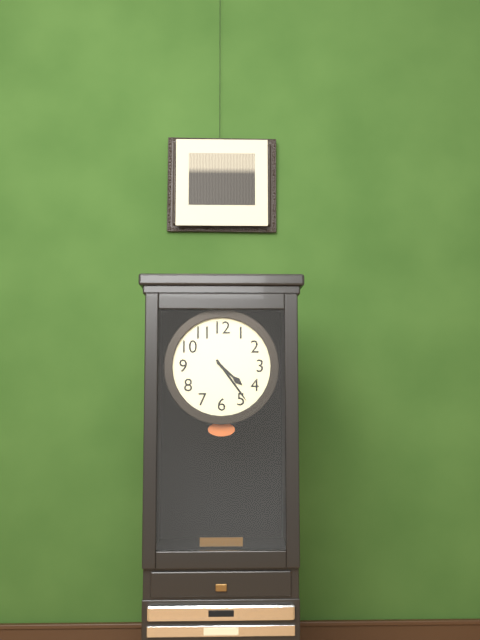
4:24
